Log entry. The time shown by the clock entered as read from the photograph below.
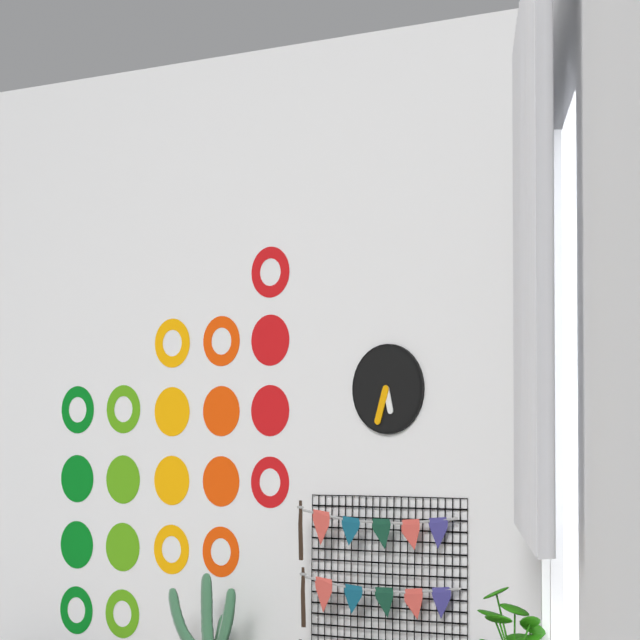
5:33
